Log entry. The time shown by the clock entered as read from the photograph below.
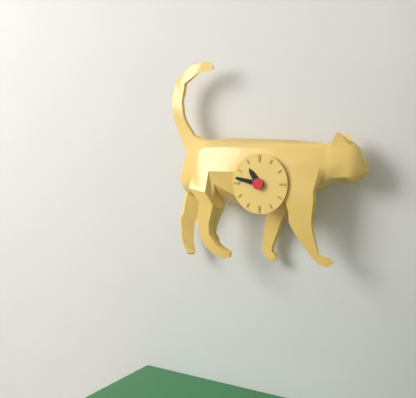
10:47
